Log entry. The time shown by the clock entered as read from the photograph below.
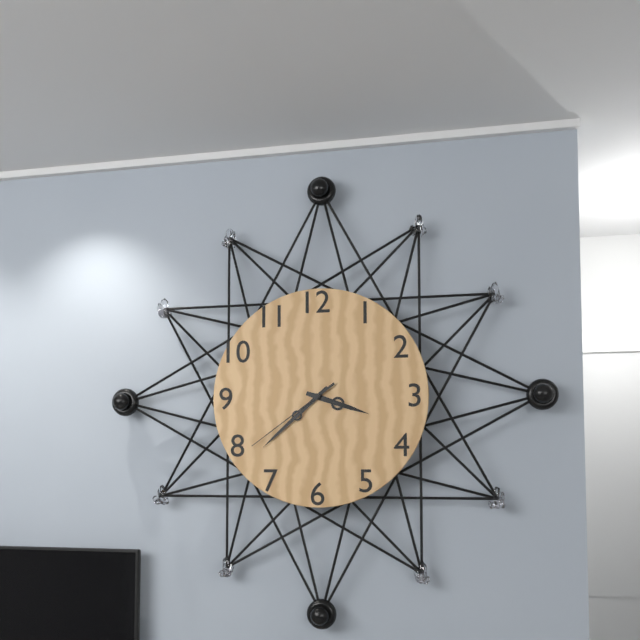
3:38:39
